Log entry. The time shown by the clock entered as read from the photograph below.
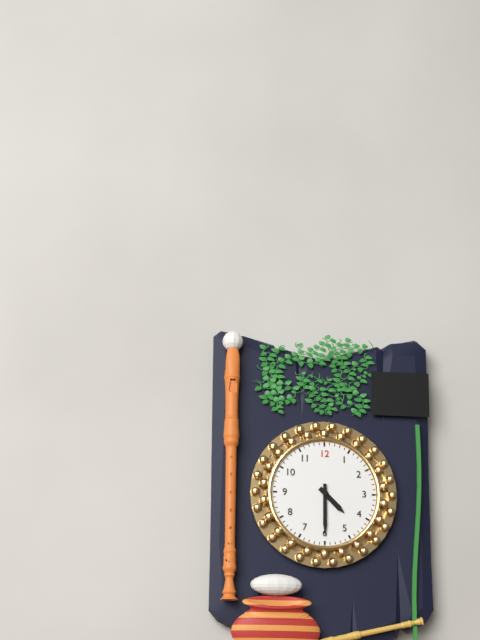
4:30
